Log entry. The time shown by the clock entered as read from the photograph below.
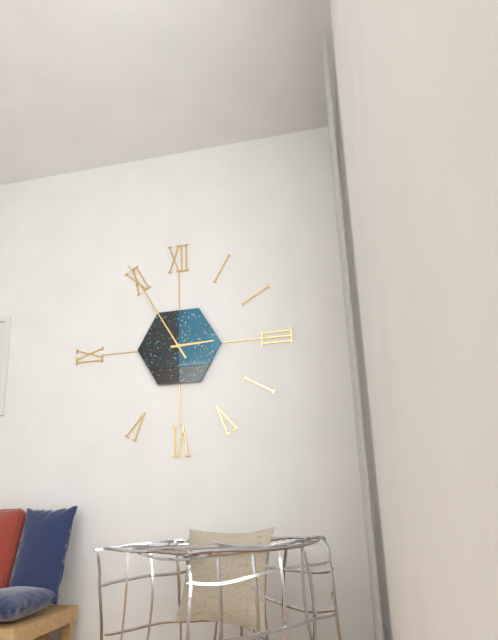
2:55
